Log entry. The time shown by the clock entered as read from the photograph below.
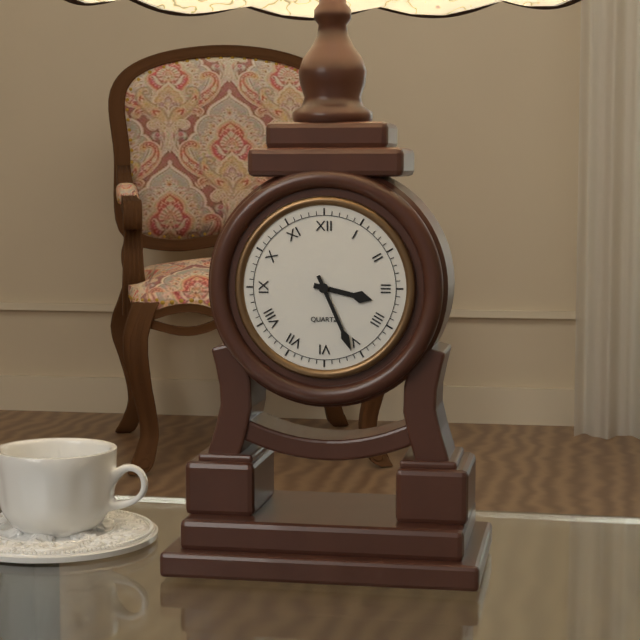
3:26
